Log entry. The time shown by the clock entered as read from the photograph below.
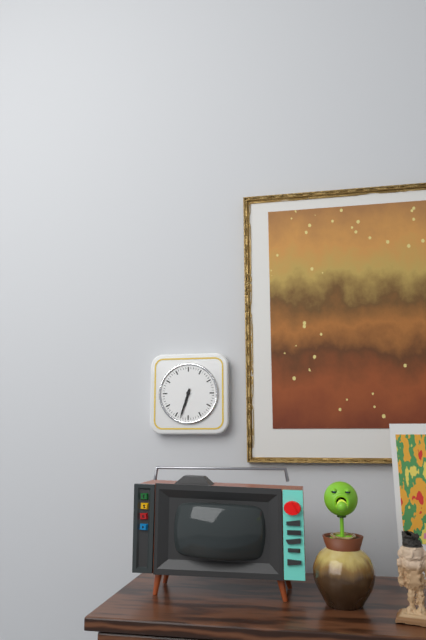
6:33
